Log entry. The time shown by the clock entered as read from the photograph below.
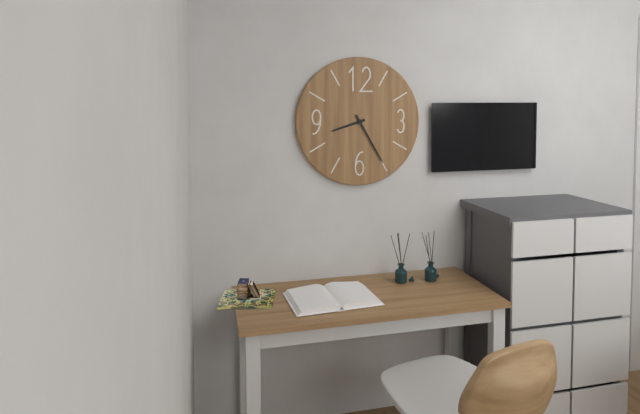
8:25
